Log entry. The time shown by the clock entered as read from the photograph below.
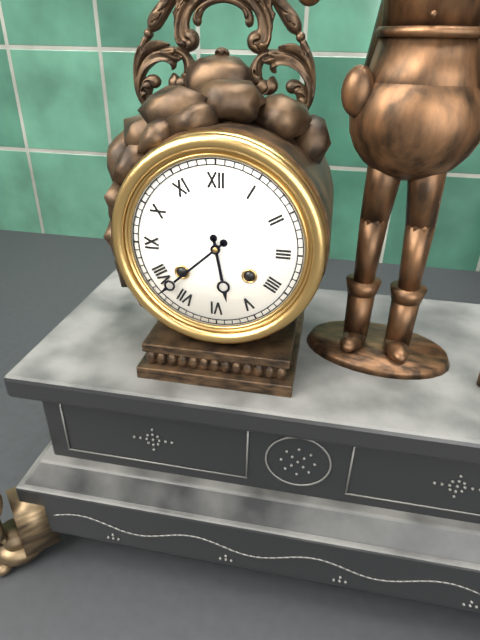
5:38
